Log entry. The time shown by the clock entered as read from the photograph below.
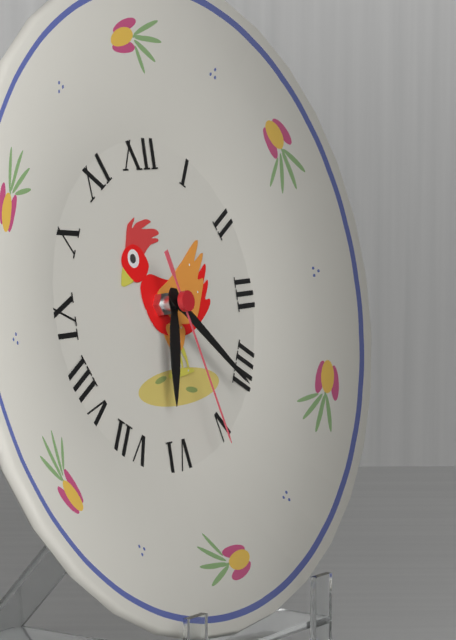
6:22:27
